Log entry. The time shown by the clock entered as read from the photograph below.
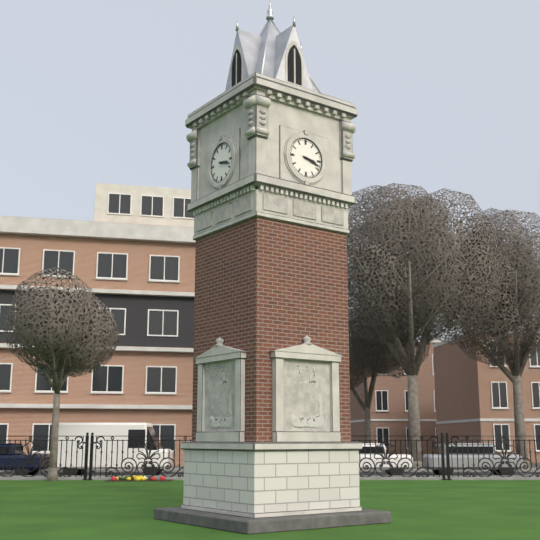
3:18
